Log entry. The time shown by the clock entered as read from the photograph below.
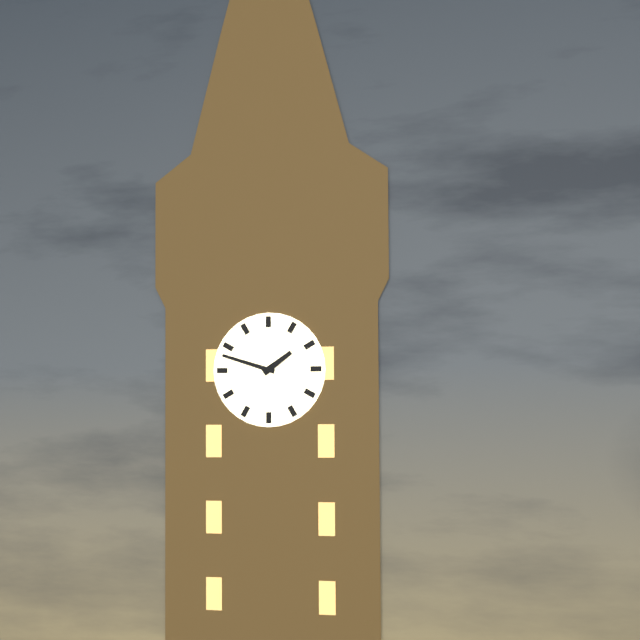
1:48
